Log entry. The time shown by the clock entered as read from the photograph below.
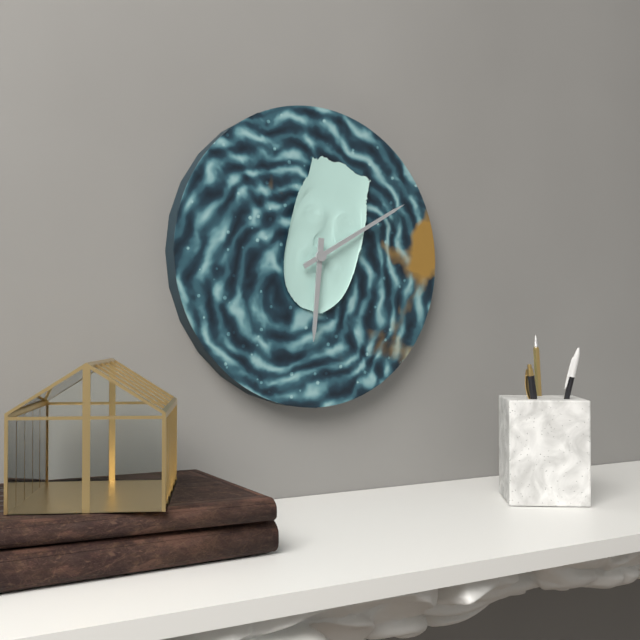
6:10
